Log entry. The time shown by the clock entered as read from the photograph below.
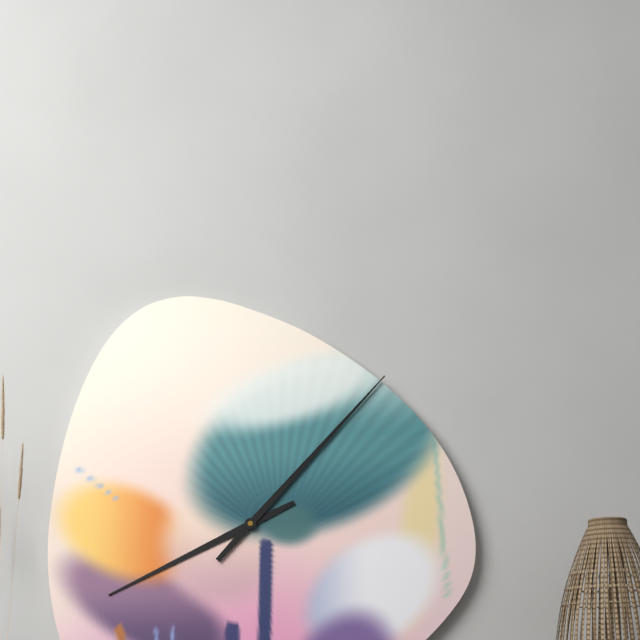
8:07
